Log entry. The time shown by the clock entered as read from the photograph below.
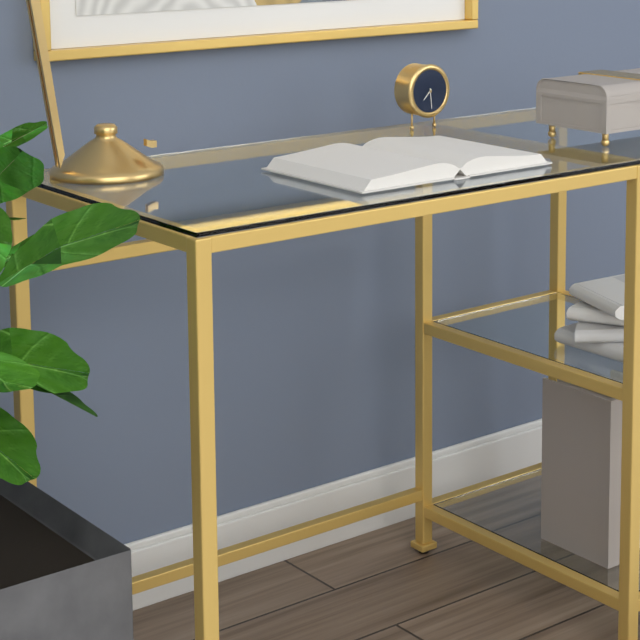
7:29
